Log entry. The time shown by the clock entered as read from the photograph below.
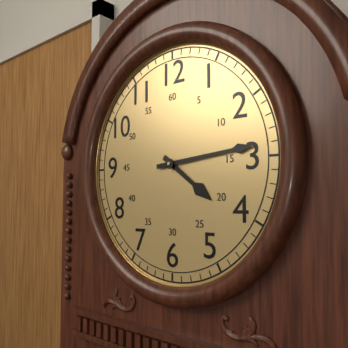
4:14
